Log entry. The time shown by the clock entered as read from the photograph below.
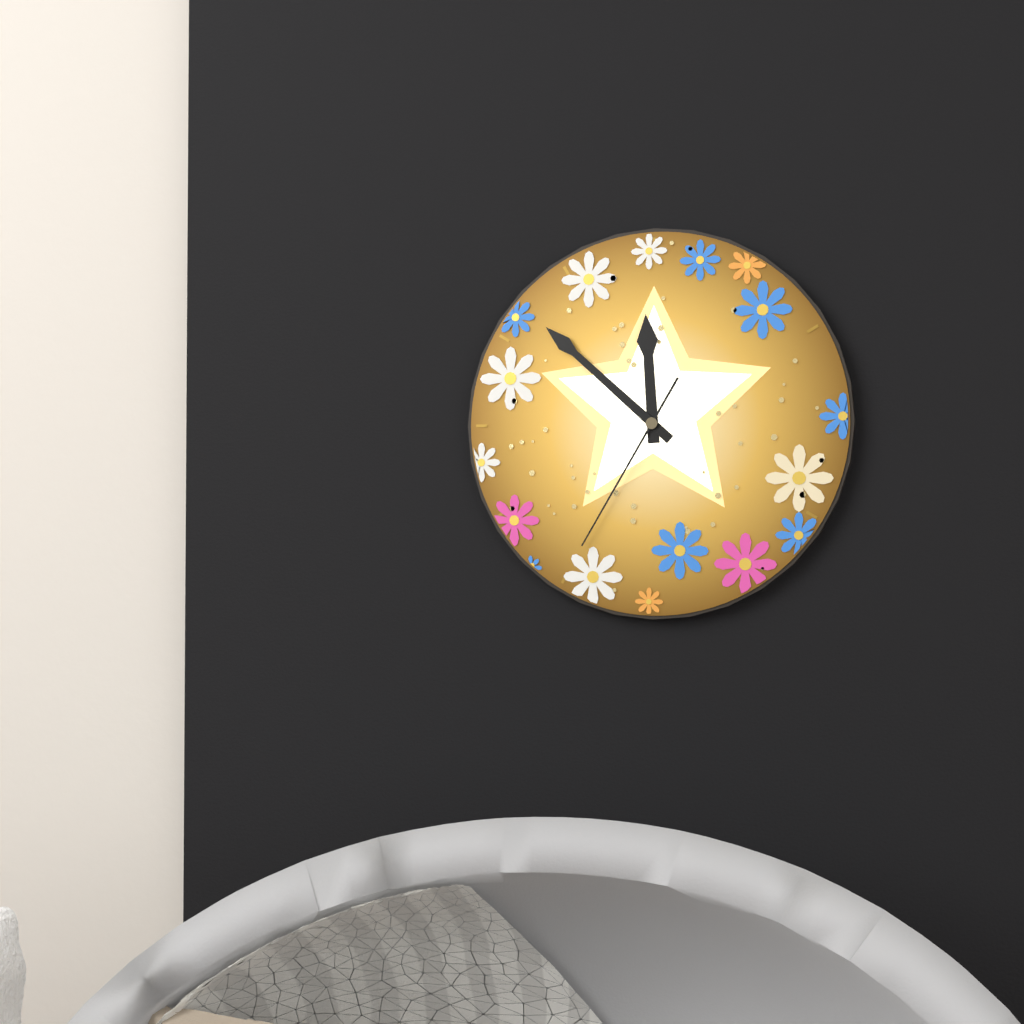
11:52:35
